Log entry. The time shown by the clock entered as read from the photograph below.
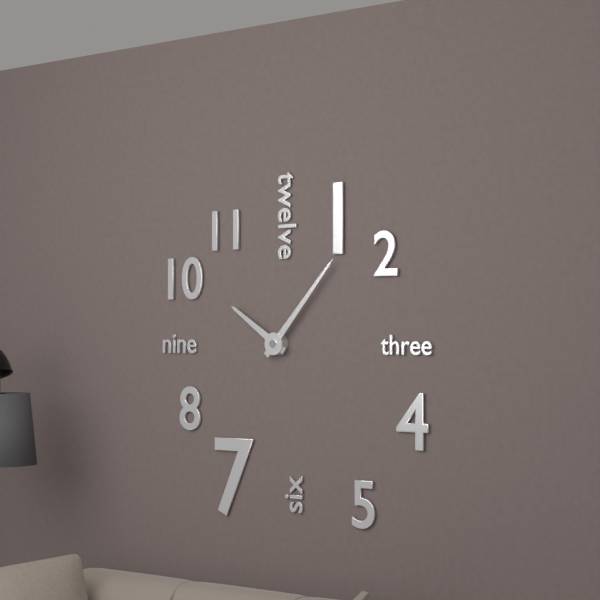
10:07
